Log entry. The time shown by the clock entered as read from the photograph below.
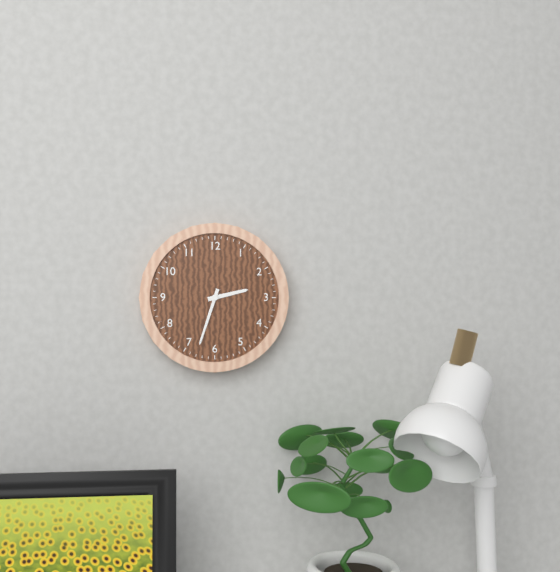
2:33
